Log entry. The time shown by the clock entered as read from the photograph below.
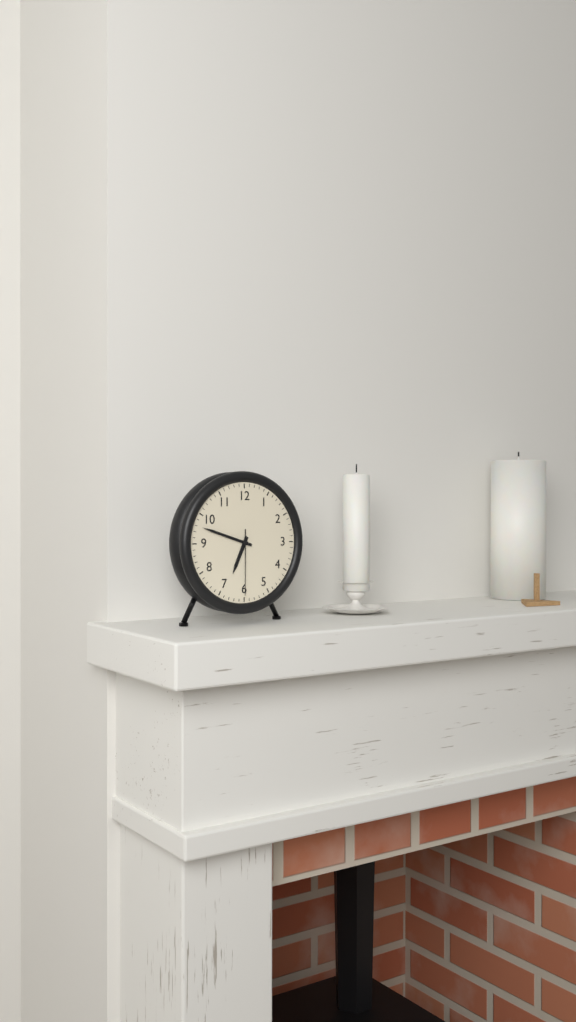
6:48:30
